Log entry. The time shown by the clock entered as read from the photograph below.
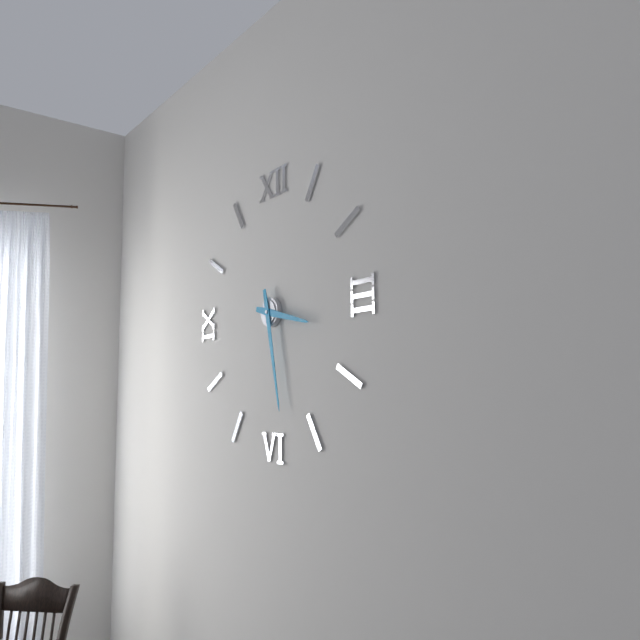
3:28
